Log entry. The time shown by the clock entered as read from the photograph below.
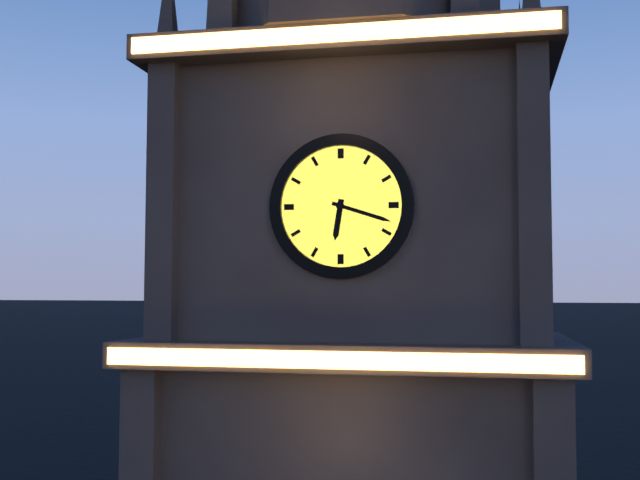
6:18
